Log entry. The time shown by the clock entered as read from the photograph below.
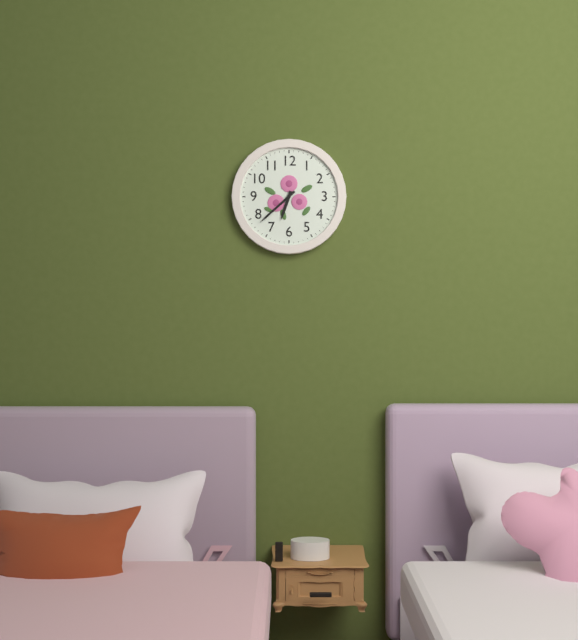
6:38
